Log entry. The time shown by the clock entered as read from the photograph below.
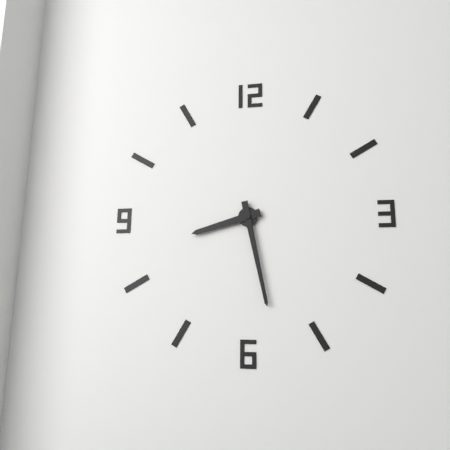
8:28
